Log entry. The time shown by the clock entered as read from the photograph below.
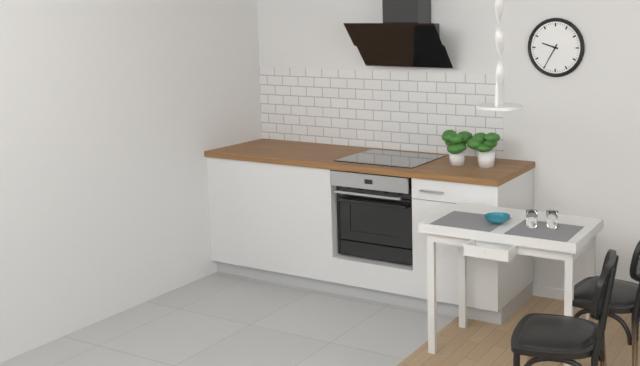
9:35
